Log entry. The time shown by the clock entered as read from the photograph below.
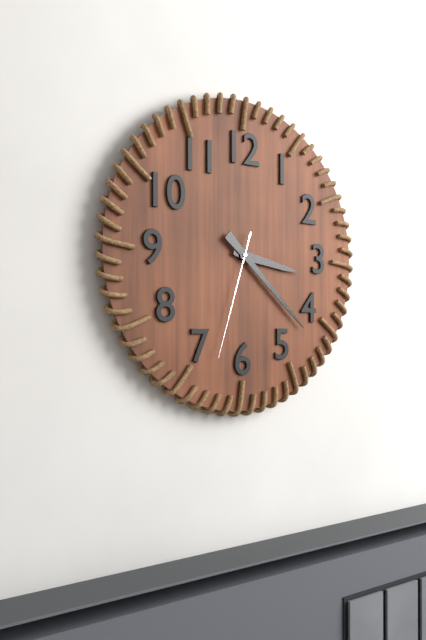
3:22:33
